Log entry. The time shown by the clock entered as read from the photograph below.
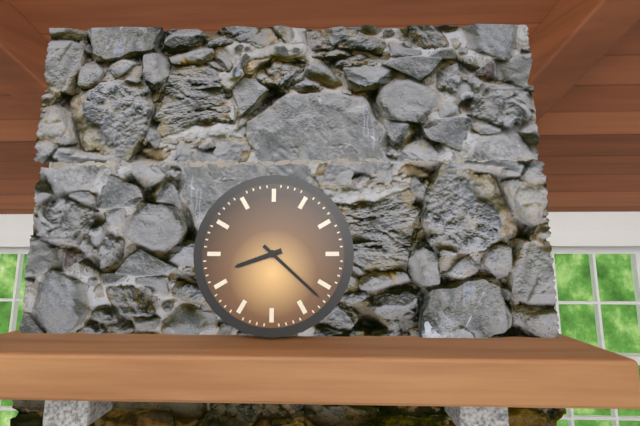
8:22
